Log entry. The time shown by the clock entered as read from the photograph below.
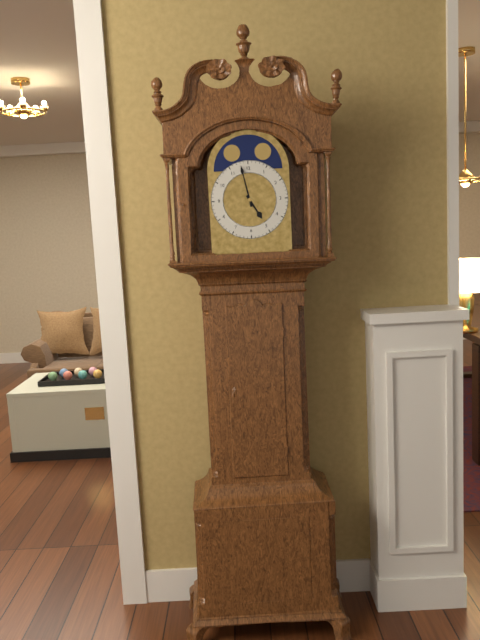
4:58
